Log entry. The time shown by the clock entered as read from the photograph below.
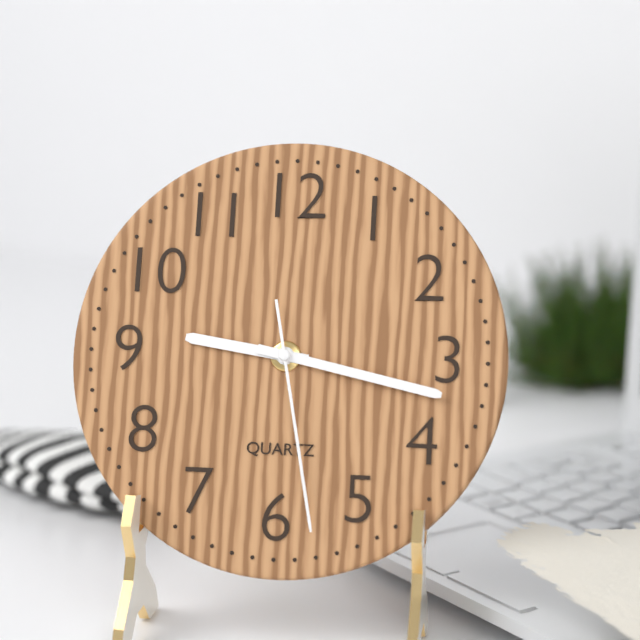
9:17:28
